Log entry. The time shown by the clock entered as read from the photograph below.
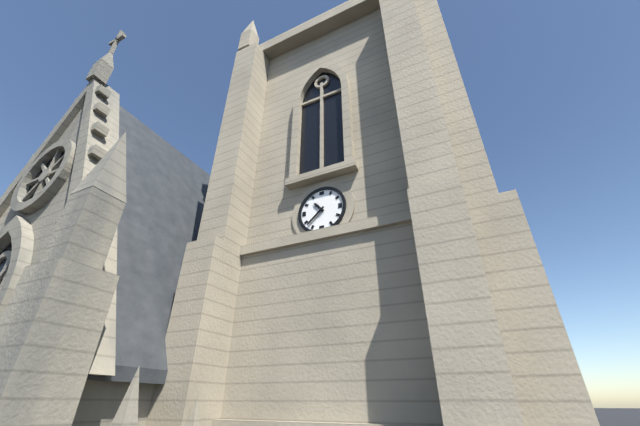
10:38
